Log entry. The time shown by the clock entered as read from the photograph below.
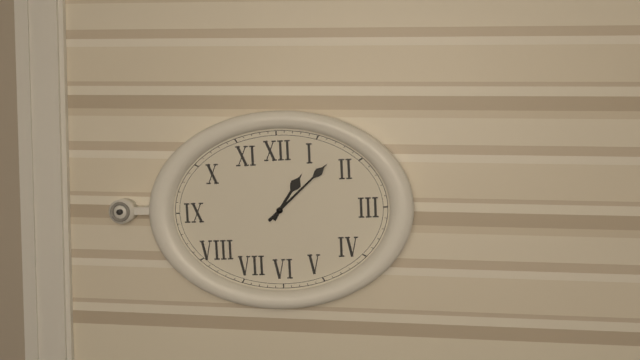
1:08
